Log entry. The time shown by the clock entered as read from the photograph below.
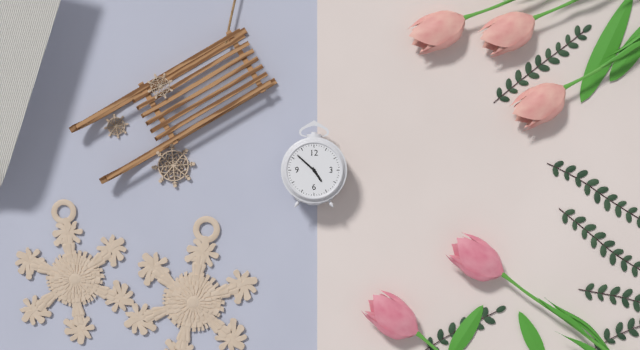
4:52
